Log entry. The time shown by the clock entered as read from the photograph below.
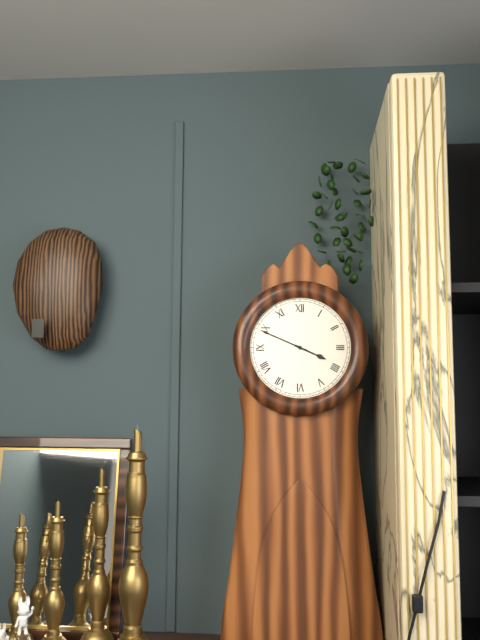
3:49
